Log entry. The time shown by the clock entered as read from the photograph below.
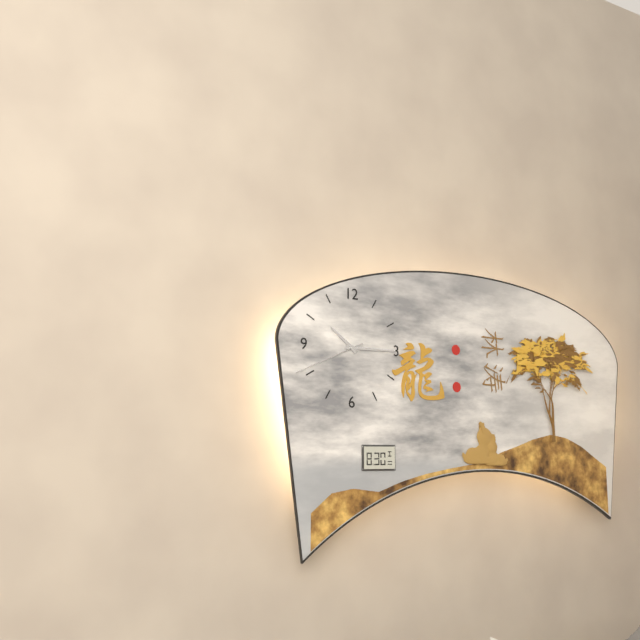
10:15:41
